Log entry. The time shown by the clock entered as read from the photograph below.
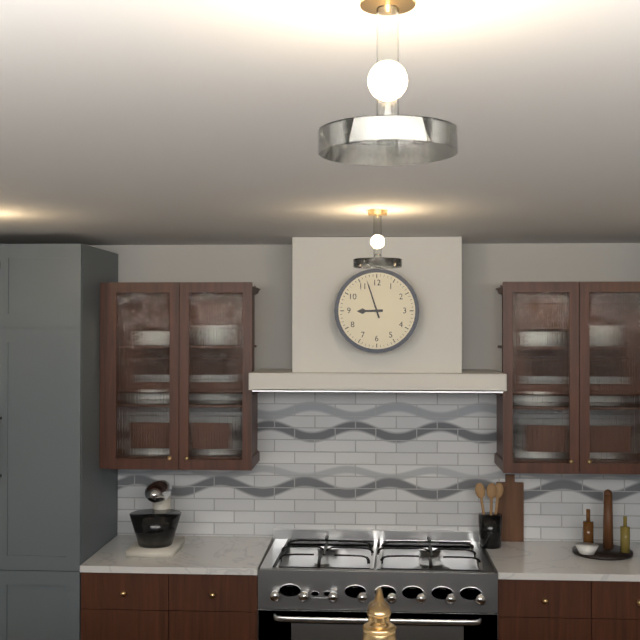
8:57
